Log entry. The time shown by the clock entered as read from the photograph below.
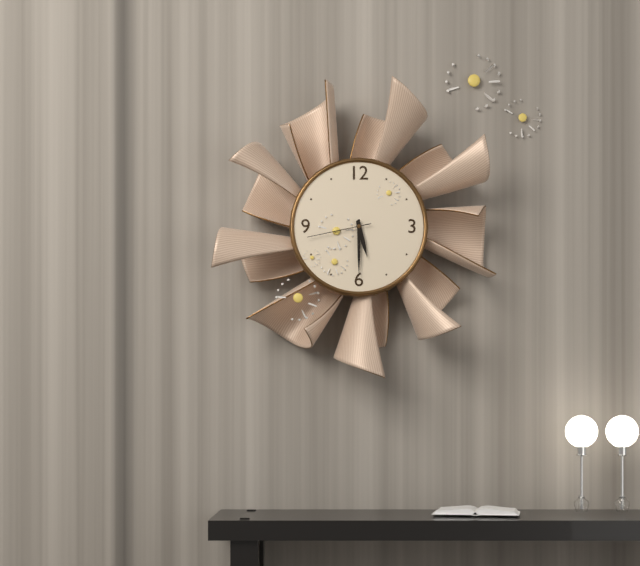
5:30:43
